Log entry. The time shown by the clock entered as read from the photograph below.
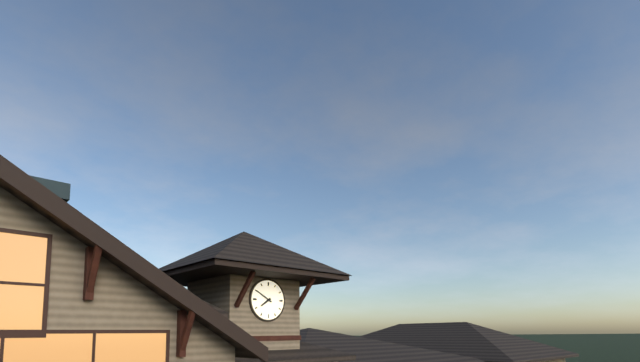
7:50
